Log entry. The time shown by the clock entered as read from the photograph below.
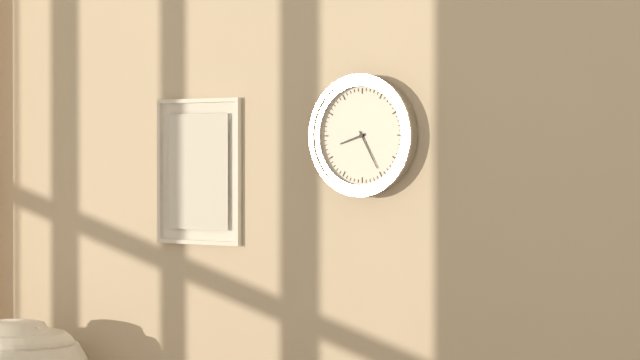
8:25
